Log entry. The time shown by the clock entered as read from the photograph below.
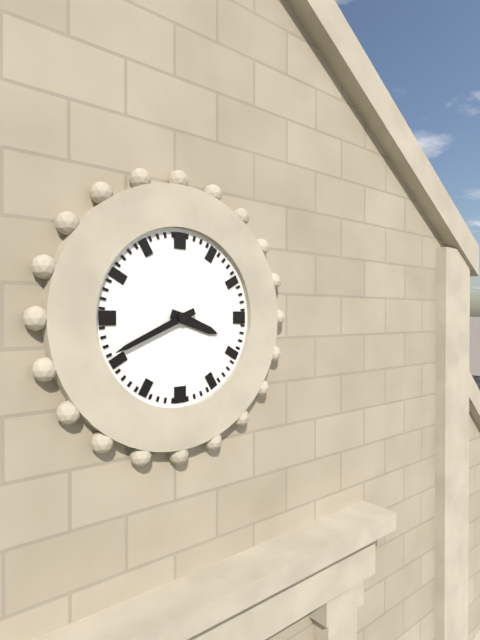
3:41
